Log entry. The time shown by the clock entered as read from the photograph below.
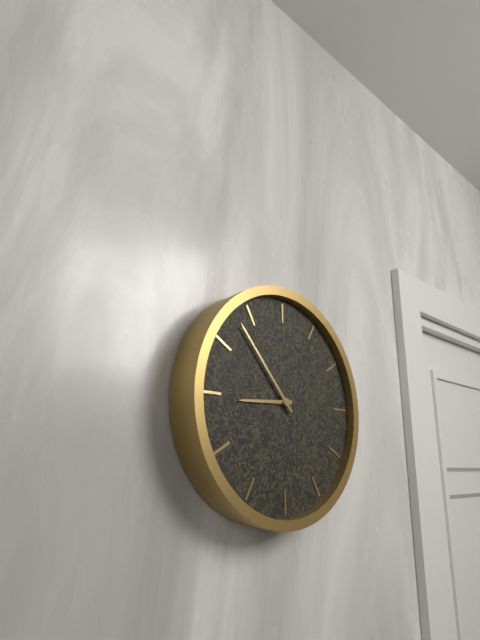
8:53
